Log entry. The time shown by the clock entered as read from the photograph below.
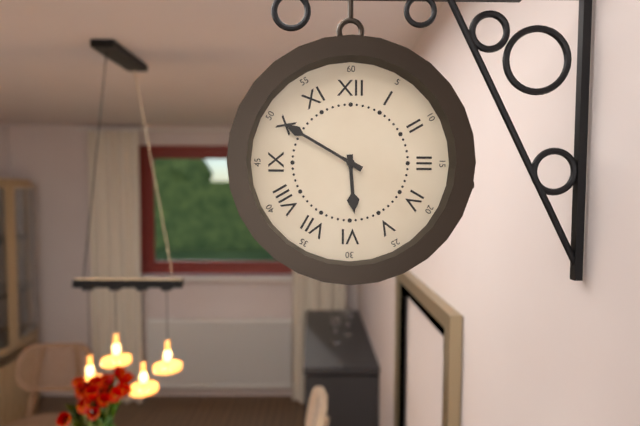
5:50
